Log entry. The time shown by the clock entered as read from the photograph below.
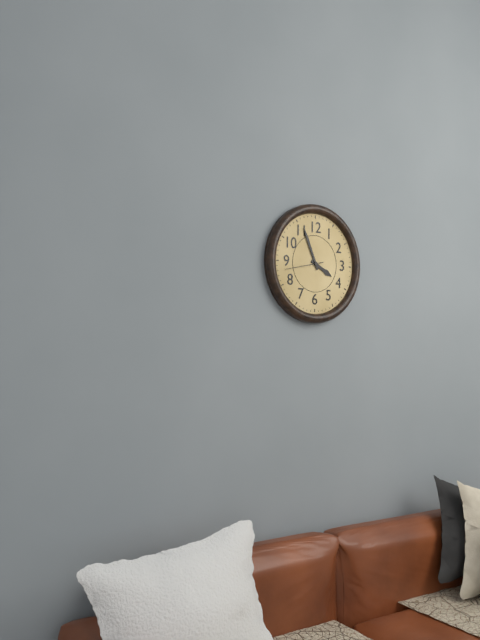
3:56
